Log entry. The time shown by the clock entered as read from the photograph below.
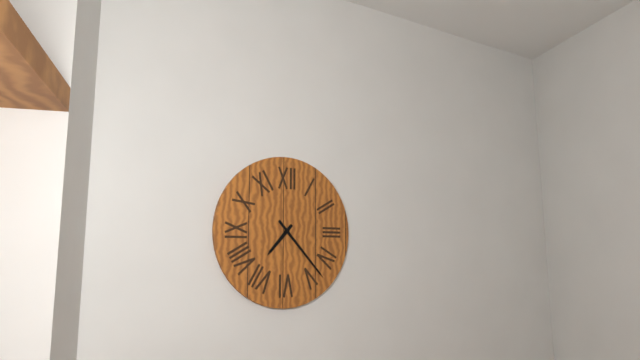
7:23
